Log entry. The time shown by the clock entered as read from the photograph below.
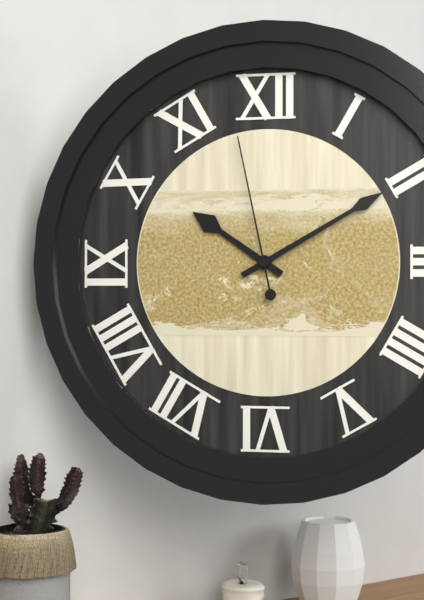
10:10:58
